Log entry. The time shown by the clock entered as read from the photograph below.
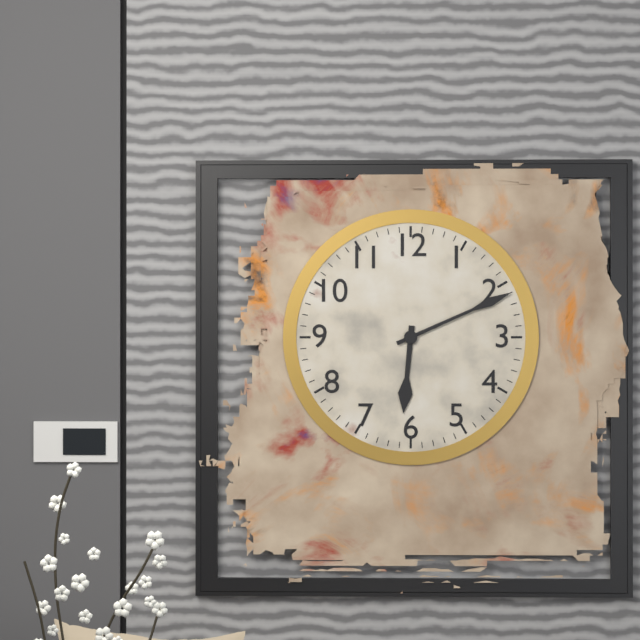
6:11
